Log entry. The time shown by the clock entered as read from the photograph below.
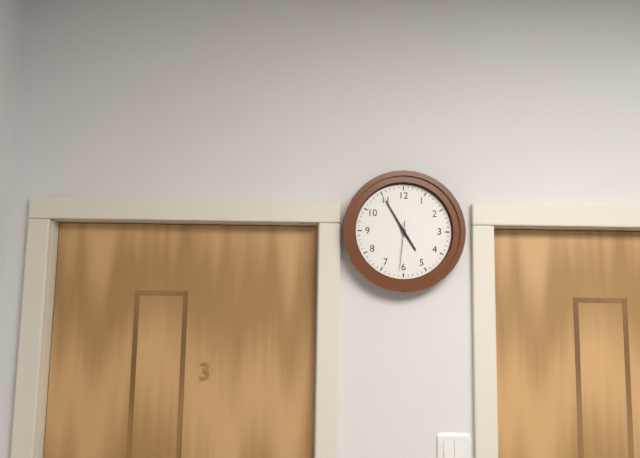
4:55
